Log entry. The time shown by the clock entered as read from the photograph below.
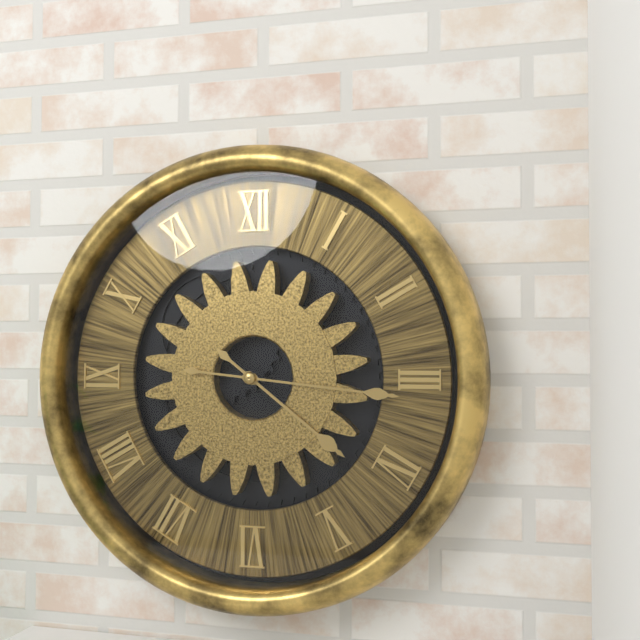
4:16
